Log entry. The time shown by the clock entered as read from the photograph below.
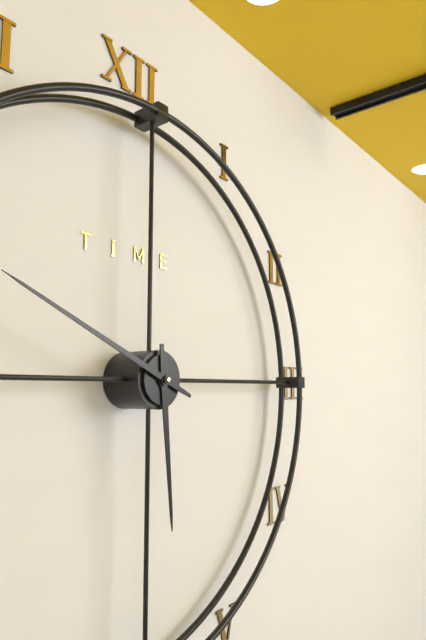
5:49
